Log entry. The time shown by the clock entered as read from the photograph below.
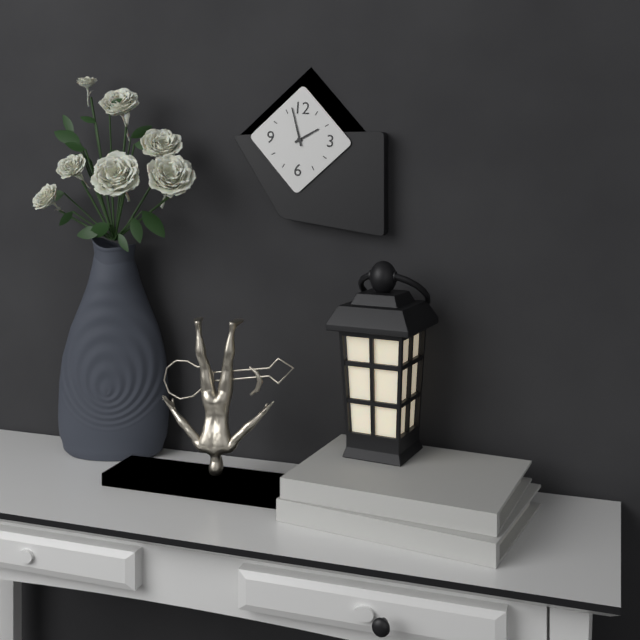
1:57
